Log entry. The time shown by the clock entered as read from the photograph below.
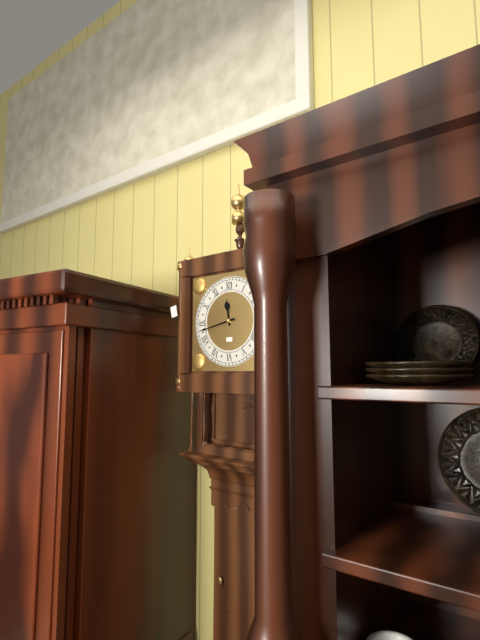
11:43
